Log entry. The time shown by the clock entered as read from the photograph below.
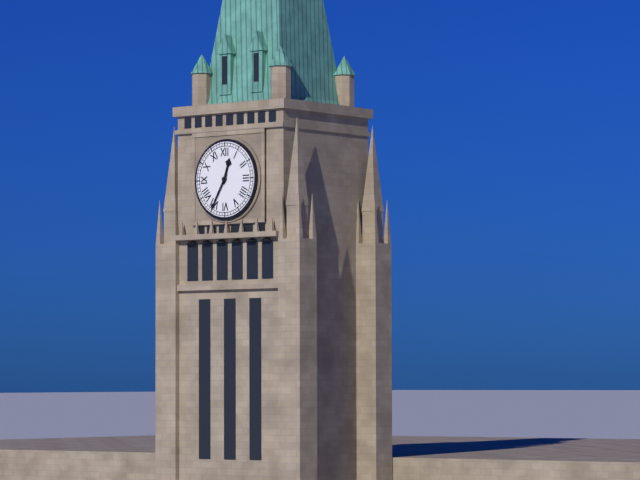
12:35
